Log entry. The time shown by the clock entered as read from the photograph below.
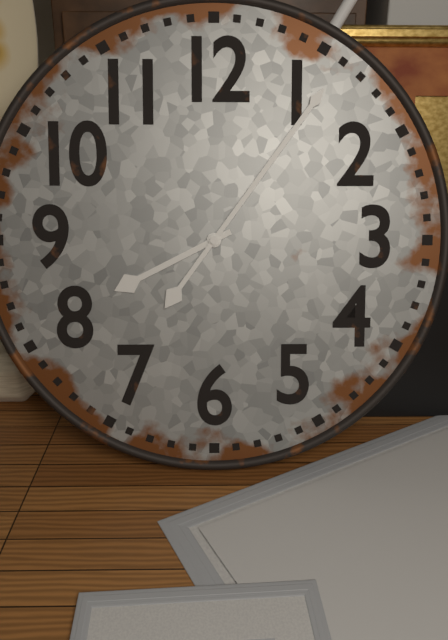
8:06
